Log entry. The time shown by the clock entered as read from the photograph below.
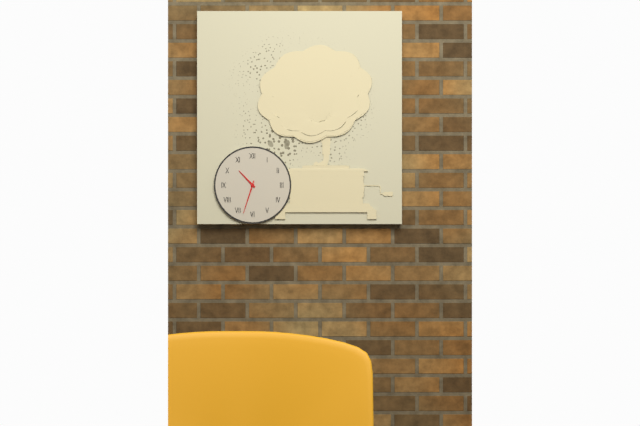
10:33
